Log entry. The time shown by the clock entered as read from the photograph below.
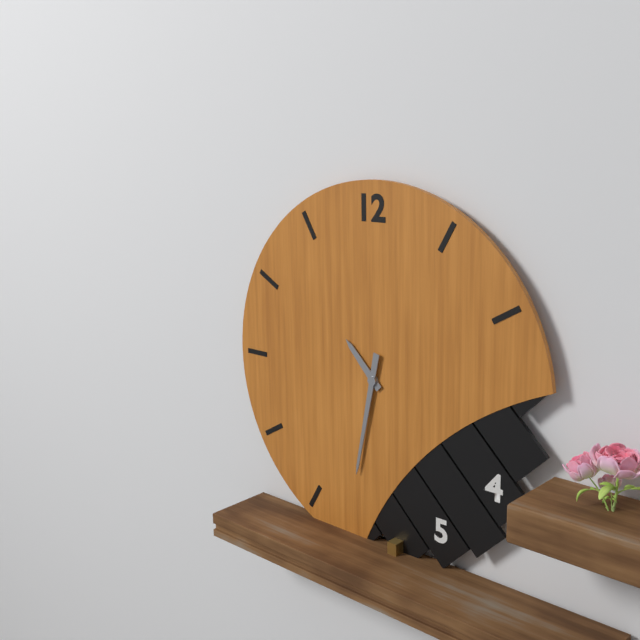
10:32
